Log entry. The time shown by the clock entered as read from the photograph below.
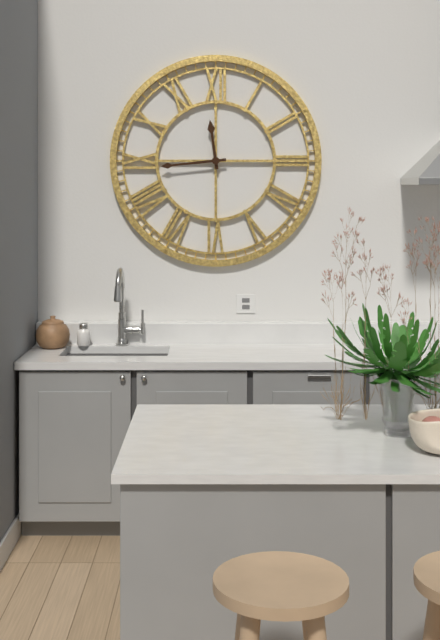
11:44
